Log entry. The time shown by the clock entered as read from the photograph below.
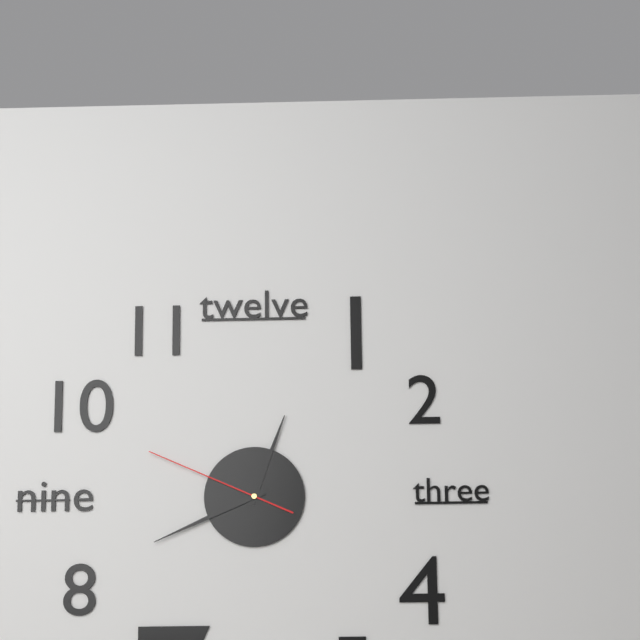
12:41:49
